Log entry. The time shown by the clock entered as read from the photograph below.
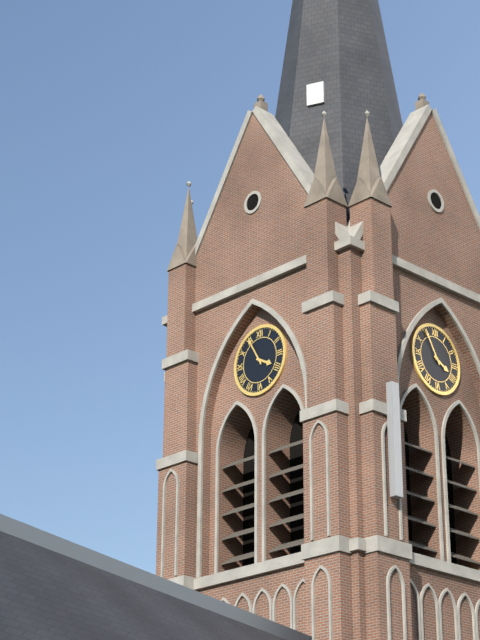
3:55
